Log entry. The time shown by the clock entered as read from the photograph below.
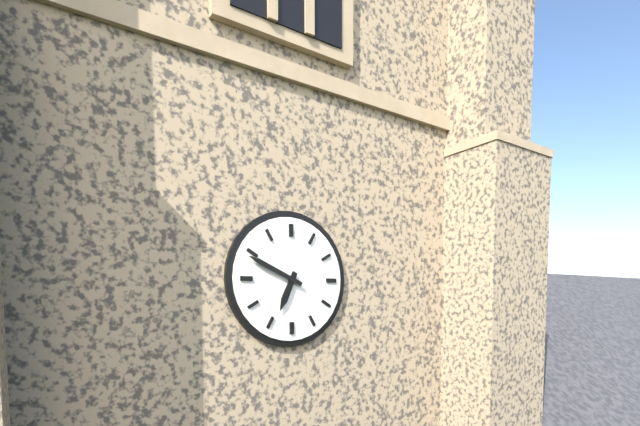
6:49
